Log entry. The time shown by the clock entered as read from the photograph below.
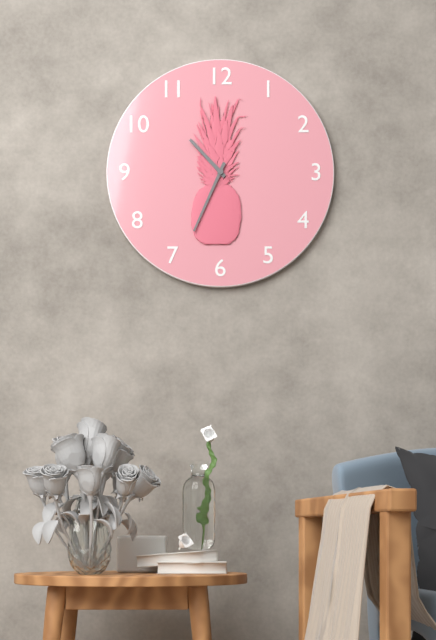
10:34
